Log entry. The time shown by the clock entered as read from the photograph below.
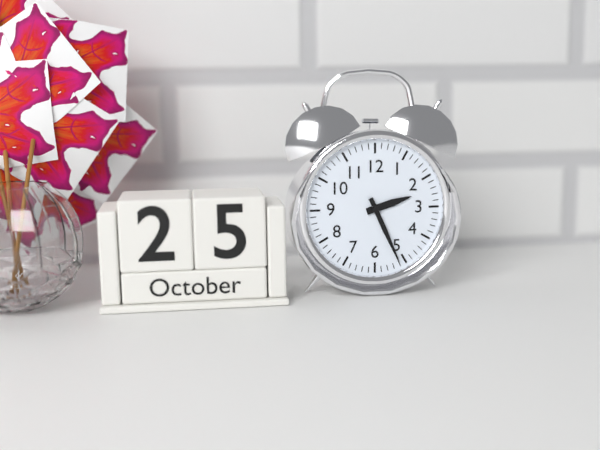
2:26
